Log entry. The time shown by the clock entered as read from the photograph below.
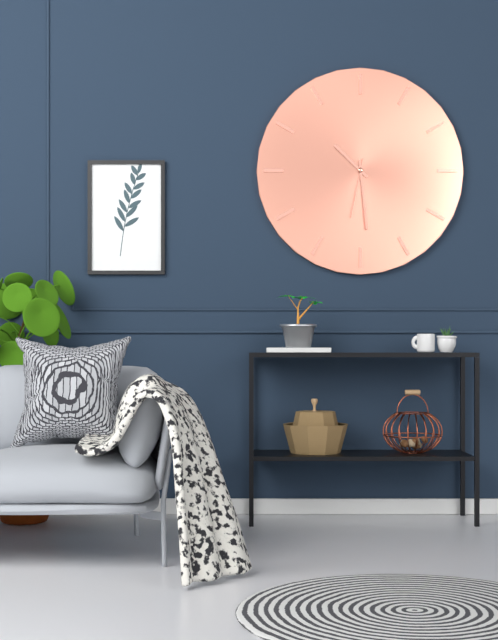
10:29:32
